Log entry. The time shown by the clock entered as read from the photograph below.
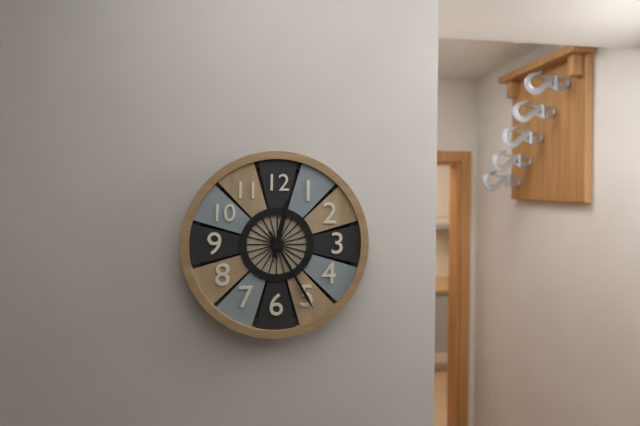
12:25
